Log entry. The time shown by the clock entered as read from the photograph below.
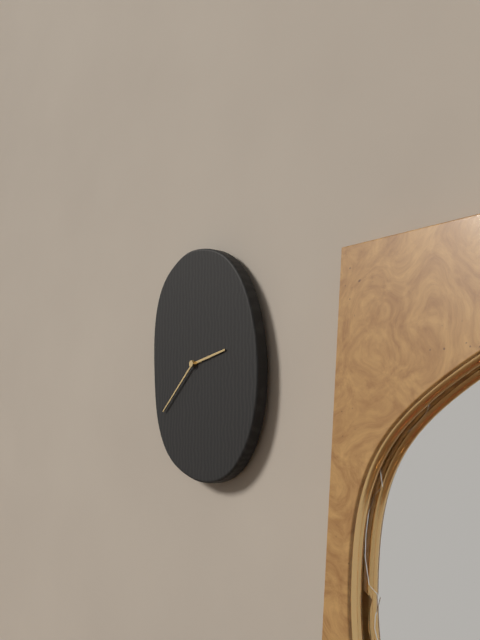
2:38
